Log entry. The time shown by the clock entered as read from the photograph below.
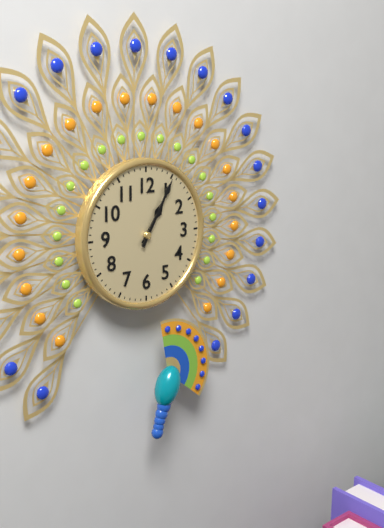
1:05
